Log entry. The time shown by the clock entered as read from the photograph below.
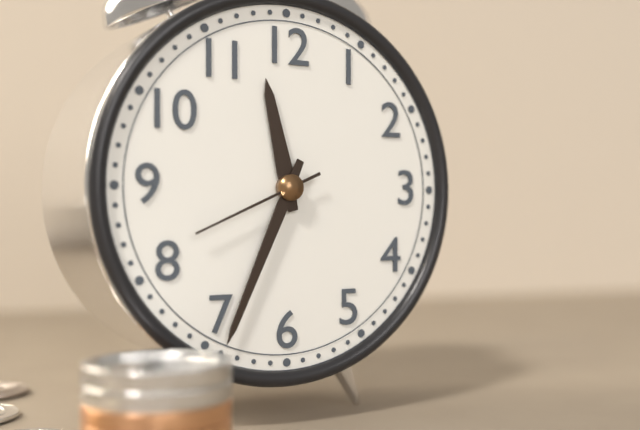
11:34:41
